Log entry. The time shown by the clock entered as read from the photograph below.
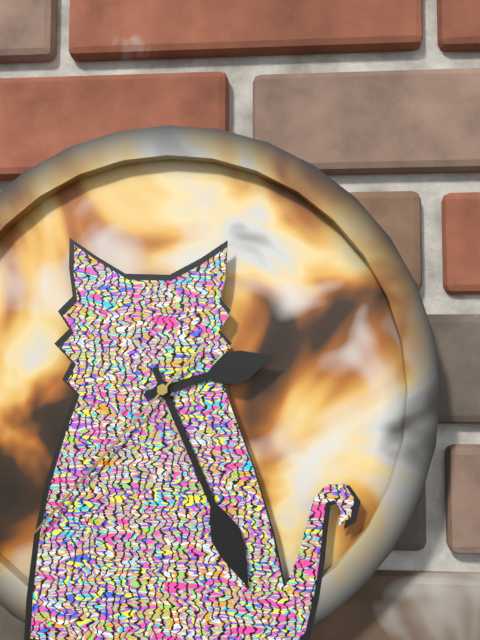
2:26:37
